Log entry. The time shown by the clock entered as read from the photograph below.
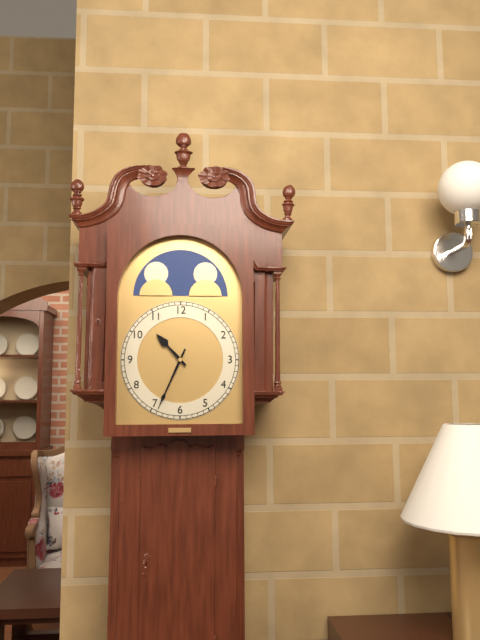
10:34
